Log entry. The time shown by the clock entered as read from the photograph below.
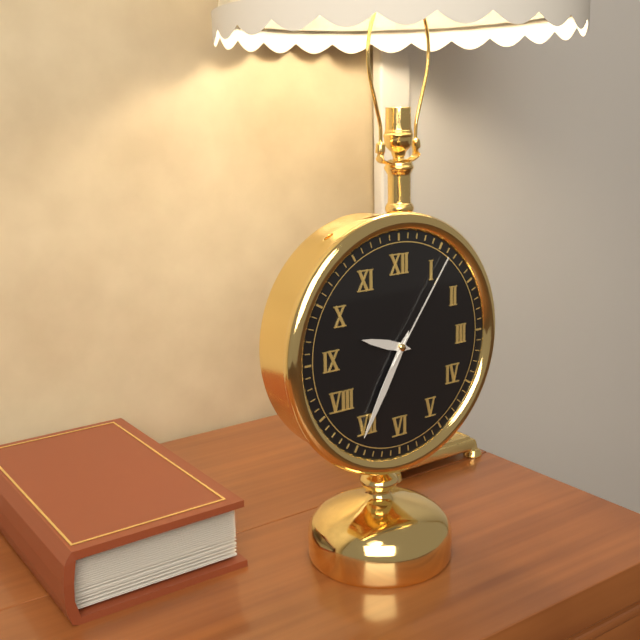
9:35:06
